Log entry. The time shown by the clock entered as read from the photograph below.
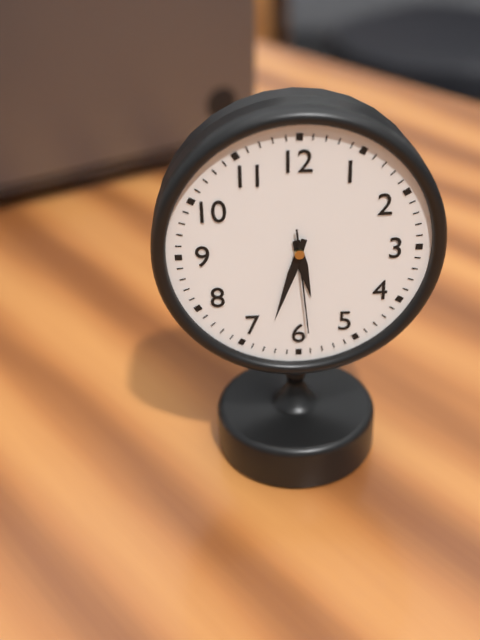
5:33:29
